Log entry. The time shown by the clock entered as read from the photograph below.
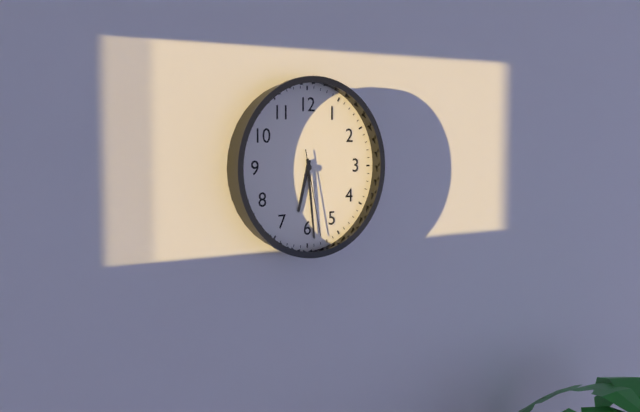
6:29:28
